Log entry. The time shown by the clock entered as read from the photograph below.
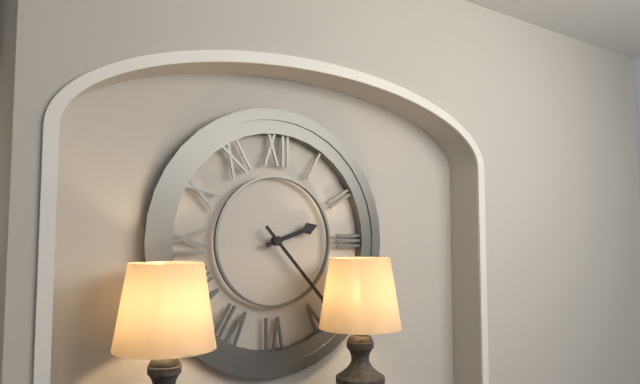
2:23
